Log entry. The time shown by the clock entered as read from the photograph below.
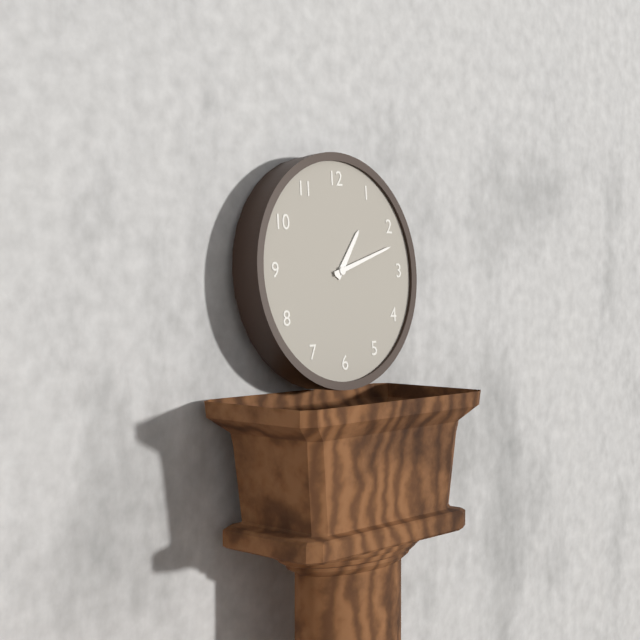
1:12
